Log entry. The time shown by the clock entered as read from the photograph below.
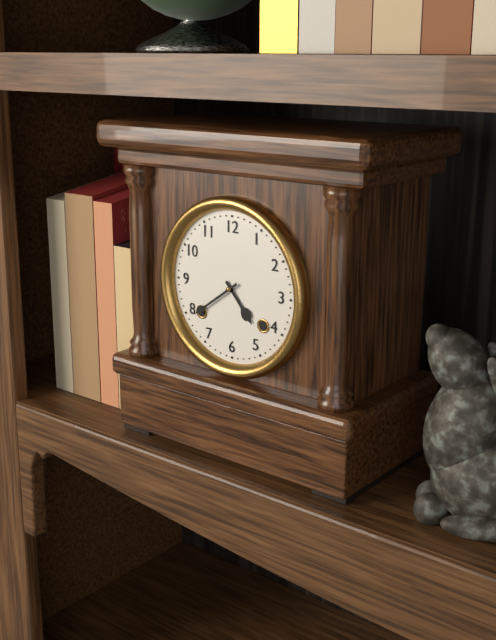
4:39
